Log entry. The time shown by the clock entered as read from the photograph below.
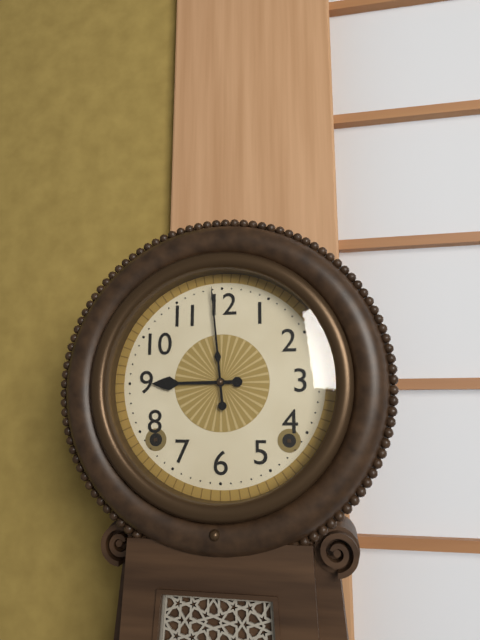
8:59
